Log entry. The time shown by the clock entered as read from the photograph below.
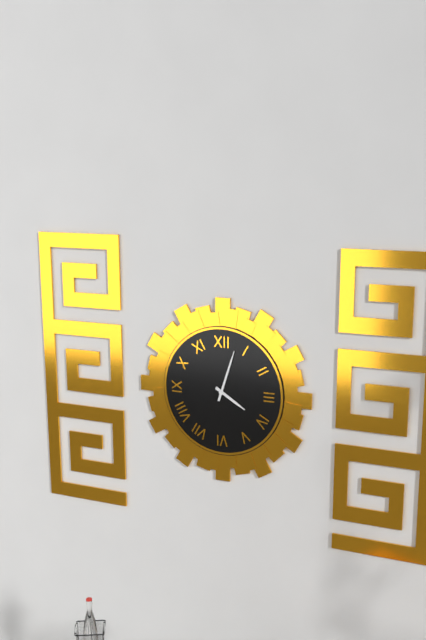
4:03
